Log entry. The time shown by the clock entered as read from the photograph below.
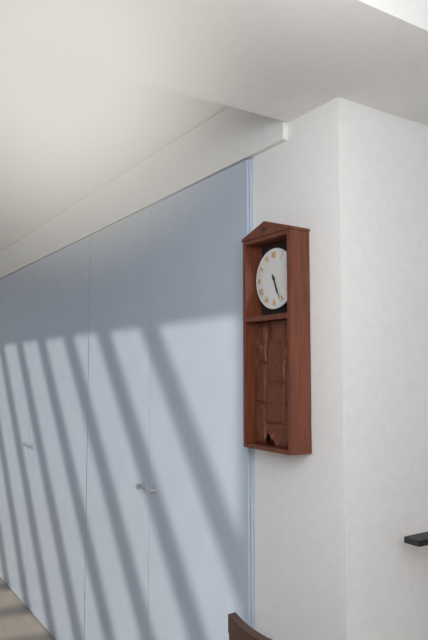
5:26
